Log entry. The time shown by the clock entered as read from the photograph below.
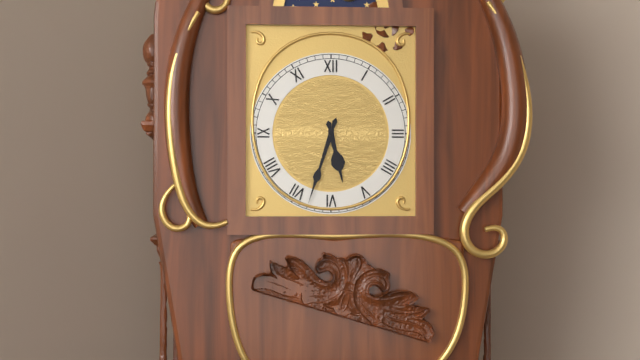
5:33
